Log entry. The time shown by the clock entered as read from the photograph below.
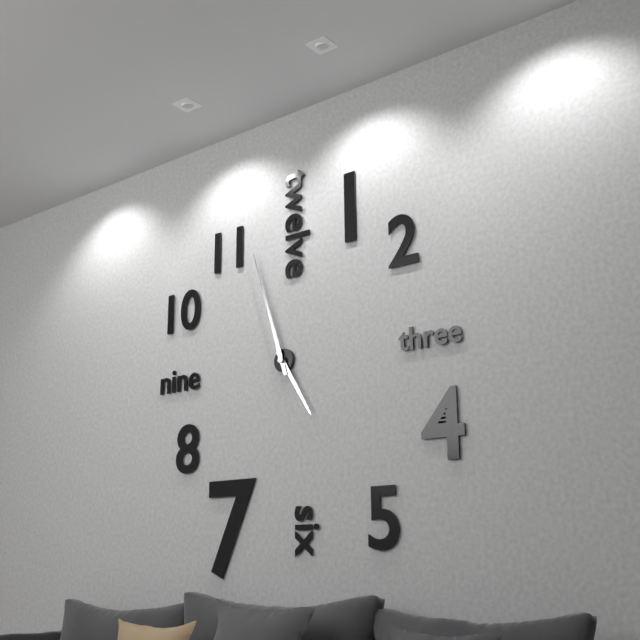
4:57
